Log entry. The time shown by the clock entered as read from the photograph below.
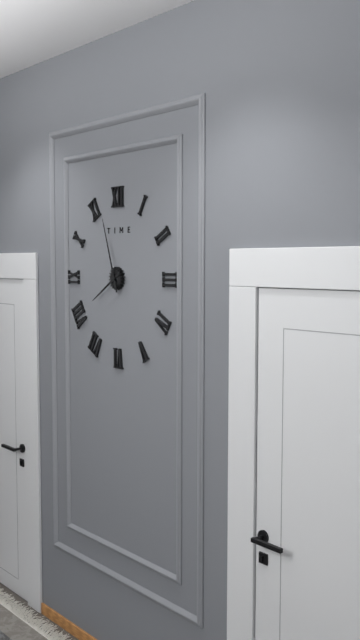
7:57
